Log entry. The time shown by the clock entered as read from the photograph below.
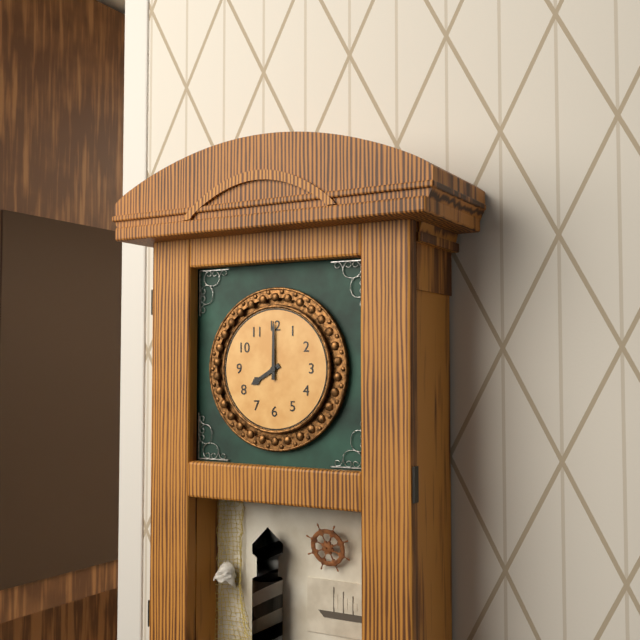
8:00
